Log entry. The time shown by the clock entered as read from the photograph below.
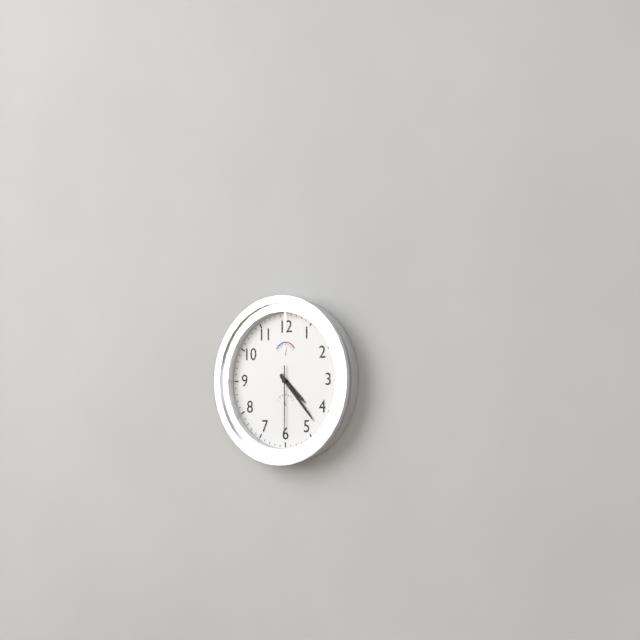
4:23:30
